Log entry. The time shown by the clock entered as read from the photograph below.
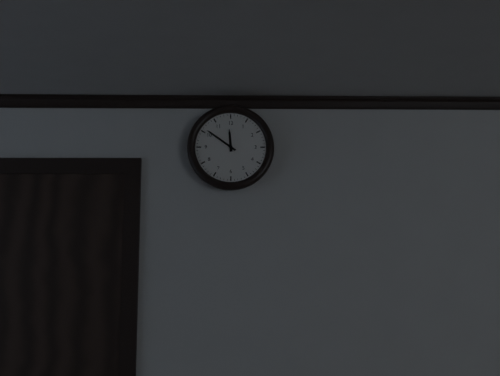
11:51
